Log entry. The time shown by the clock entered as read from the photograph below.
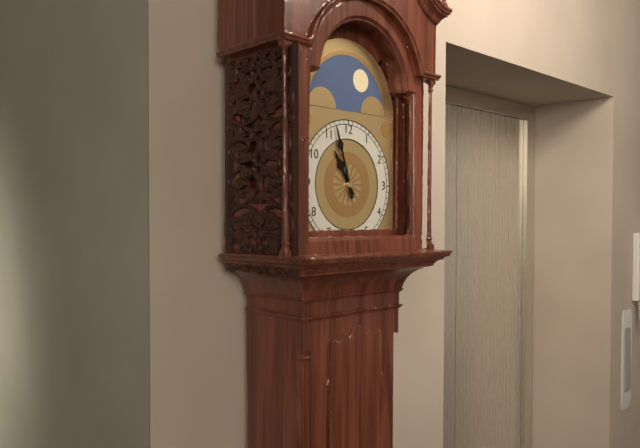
10:57
